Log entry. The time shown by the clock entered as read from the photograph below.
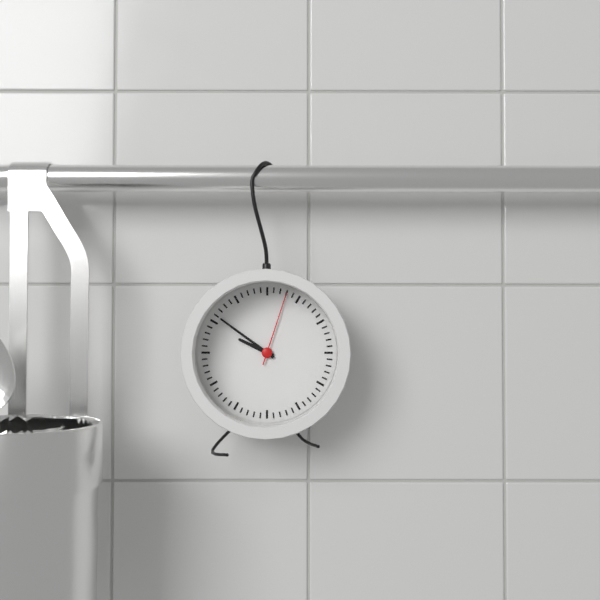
9:51:03
